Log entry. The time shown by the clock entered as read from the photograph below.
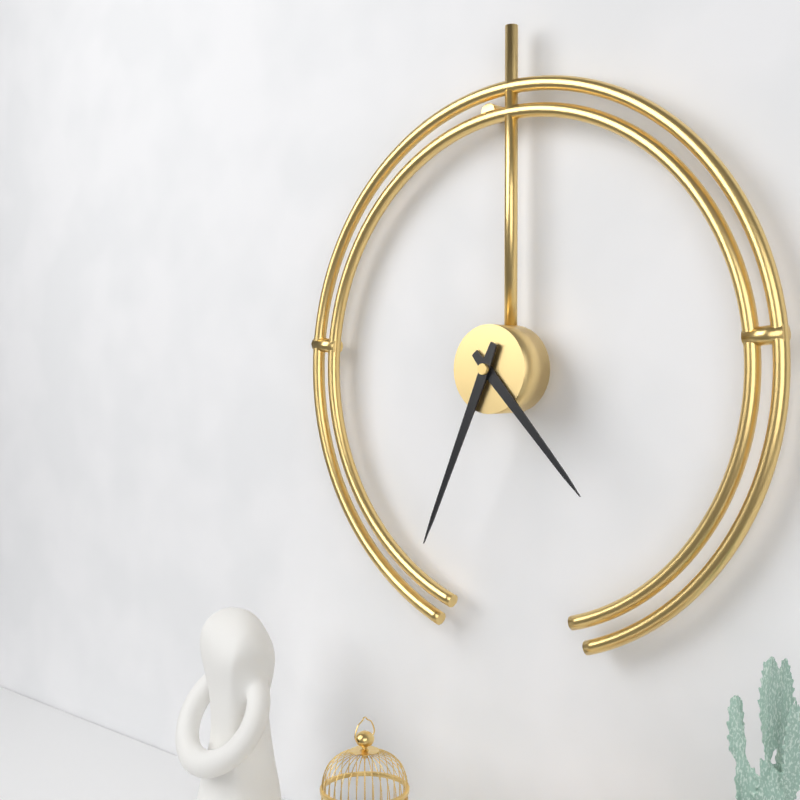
4:34
